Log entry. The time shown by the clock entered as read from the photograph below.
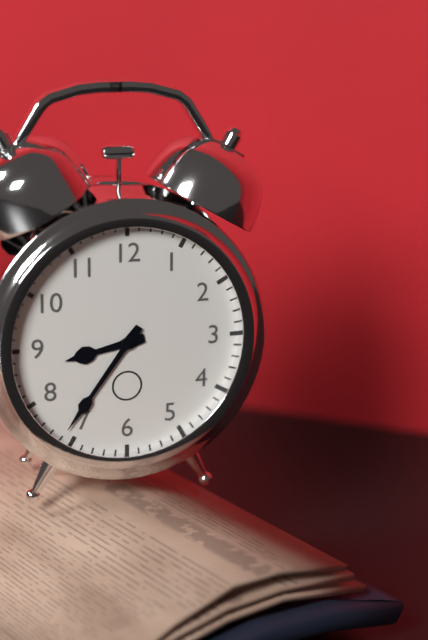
8:36
